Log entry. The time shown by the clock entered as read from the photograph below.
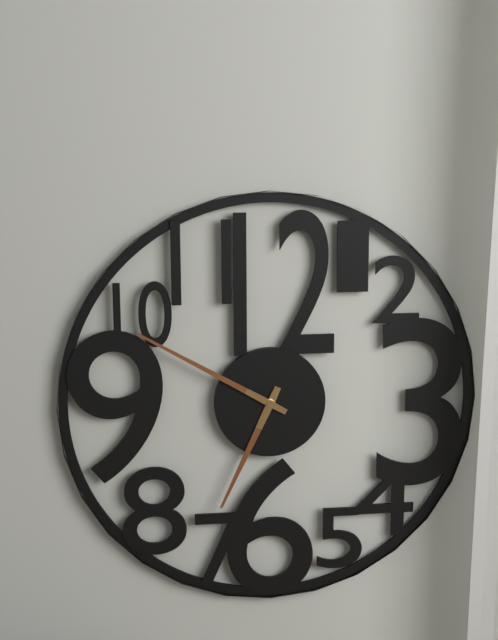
6:50
